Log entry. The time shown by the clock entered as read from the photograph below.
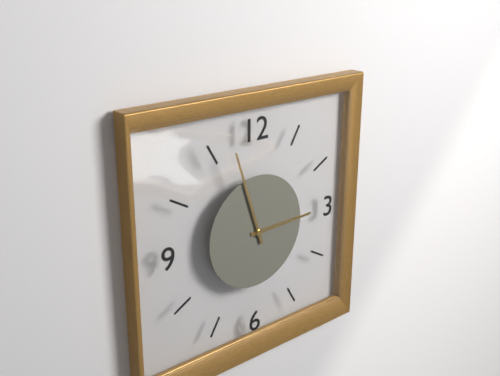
2:57
